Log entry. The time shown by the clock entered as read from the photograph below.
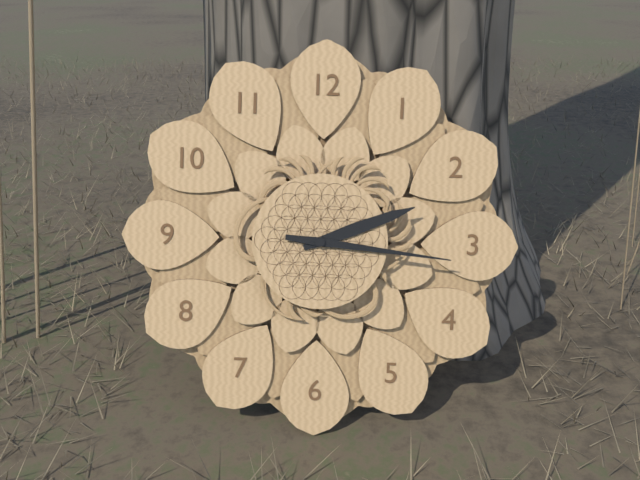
2:16
